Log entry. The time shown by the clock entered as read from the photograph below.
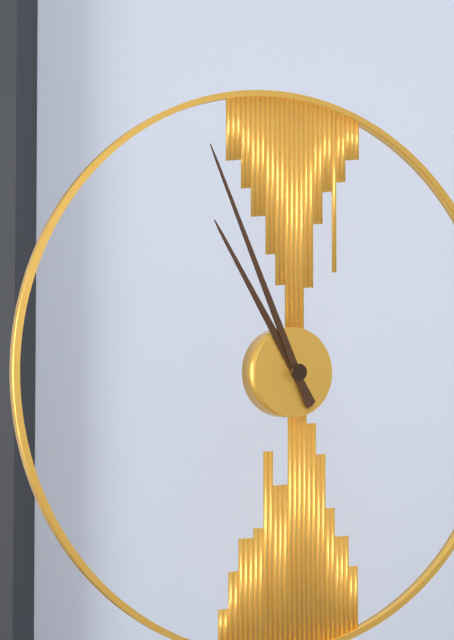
10:56
